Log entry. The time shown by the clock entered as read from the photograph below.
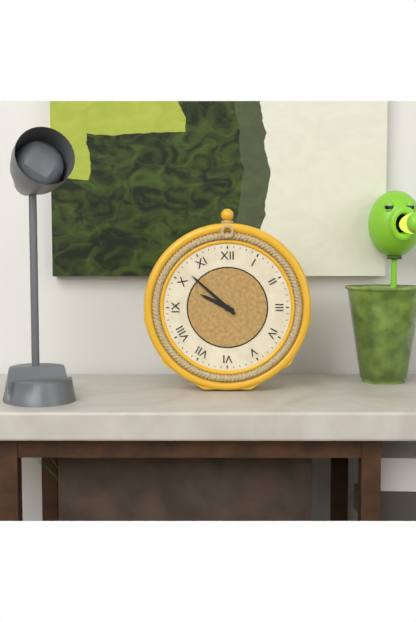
9:52
